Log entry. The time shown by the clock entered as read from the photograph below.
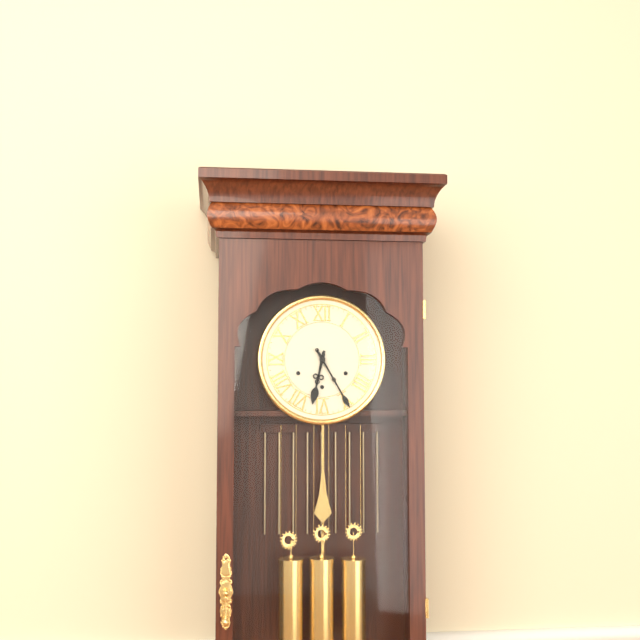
6:25
